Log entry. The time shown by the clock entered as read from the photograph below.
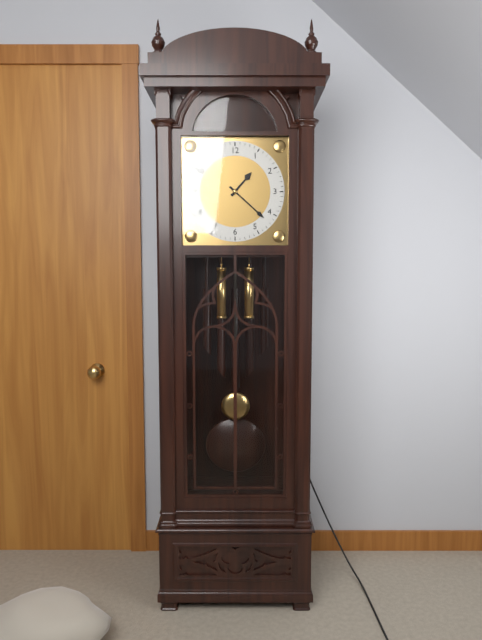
1:22
